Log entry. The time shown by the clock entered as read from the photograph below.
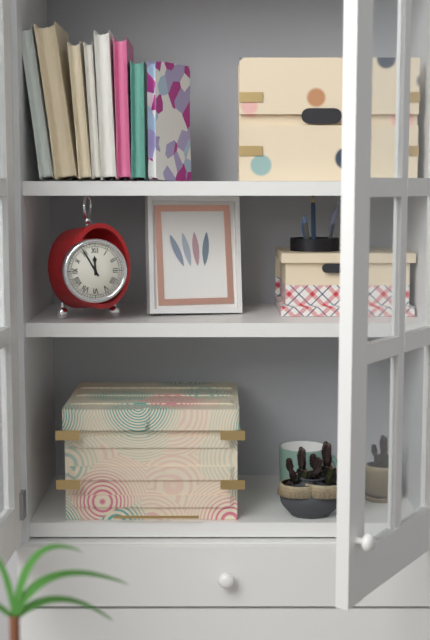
11:55
